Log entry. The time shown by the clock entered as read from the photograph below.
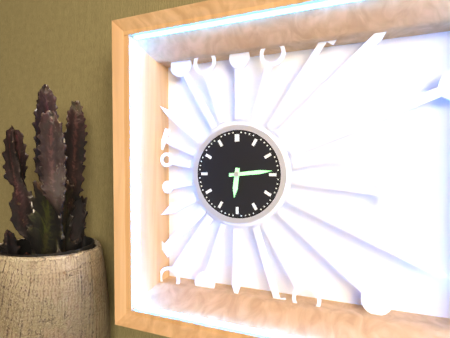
6:14
